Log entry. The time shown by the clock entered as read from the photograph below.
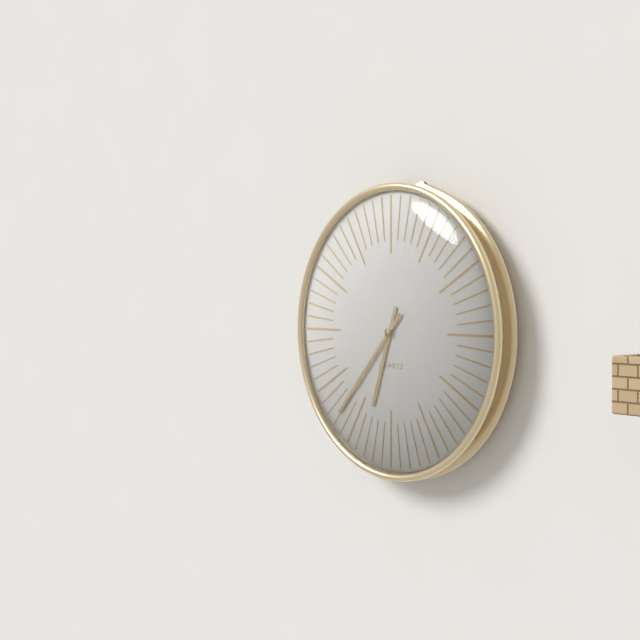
6:37
